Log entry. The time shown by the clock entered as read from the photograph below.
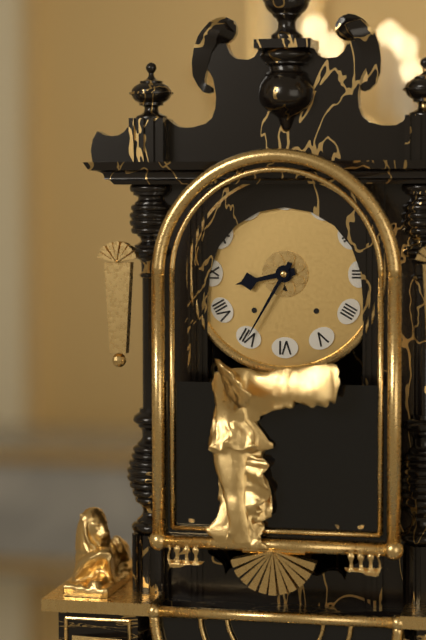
8:35
